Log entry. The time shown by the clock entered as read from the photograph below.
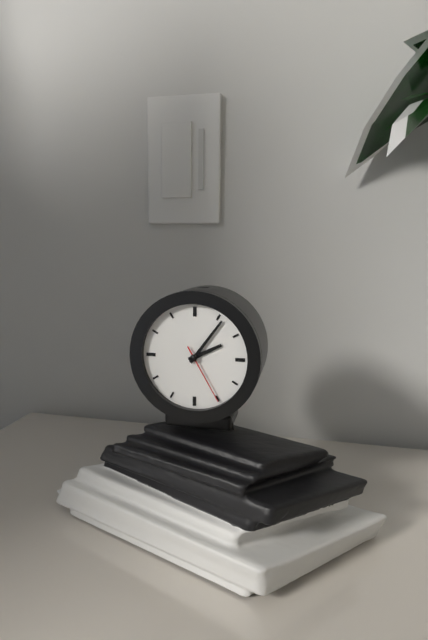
2:06:25
